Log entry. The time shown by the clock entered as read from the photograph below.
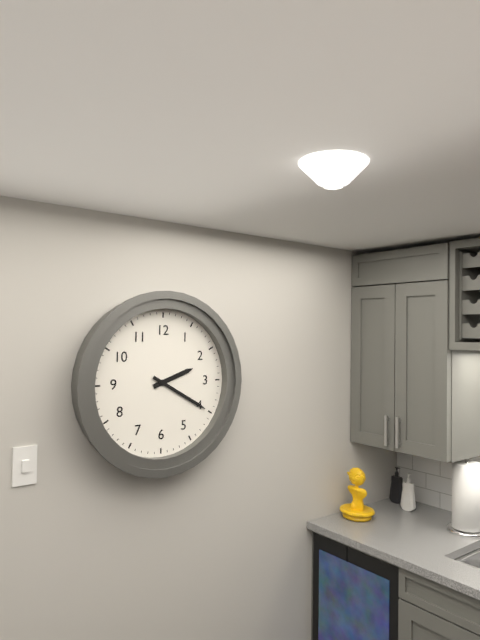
2:20
